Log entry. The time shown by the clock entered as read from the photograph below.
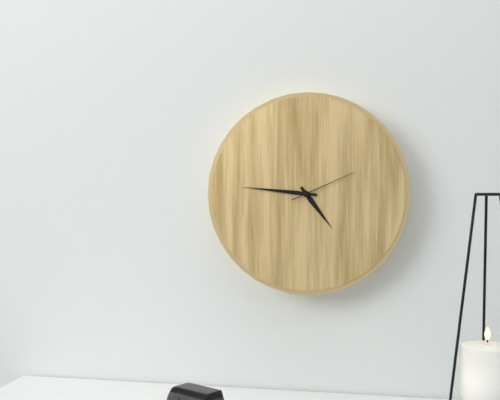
4:46:11
